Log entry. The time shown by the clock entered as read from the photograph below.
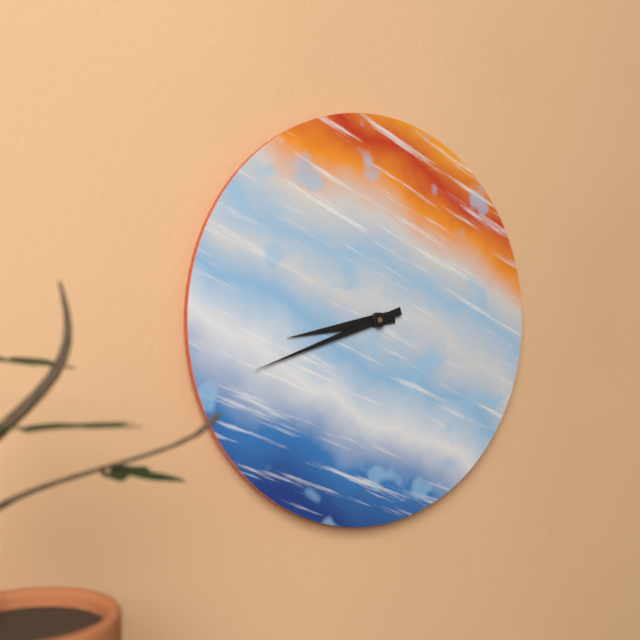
8:42
